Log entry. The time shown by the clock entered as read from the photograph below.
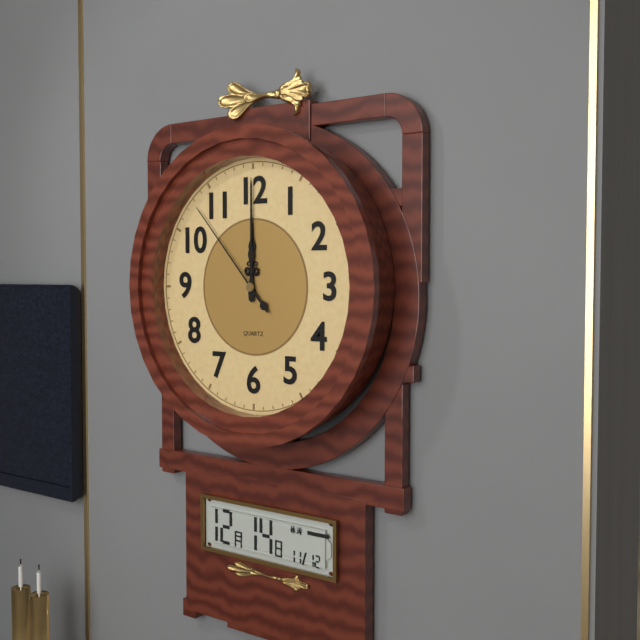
12:00:53
